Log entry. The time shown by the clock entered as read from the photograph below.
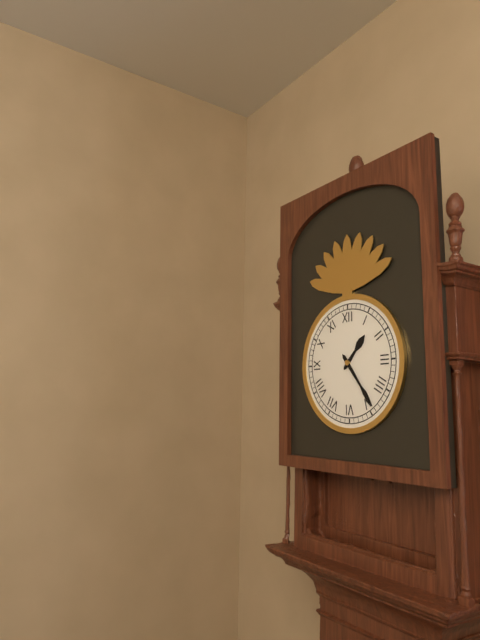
1:24
